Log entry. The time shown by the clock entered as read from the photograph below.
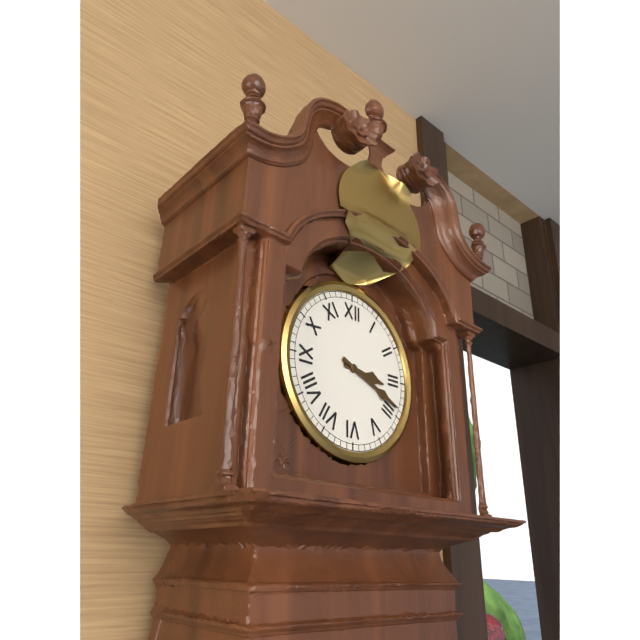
3:19
